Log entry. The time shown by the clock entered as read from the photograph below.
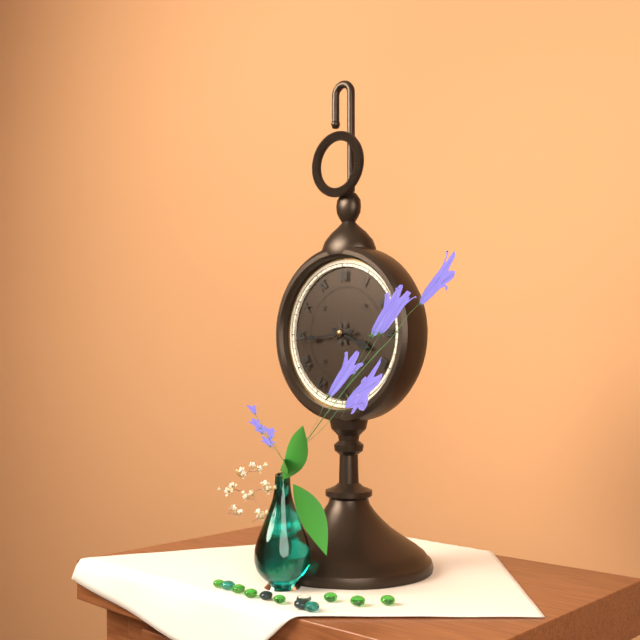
3:44
